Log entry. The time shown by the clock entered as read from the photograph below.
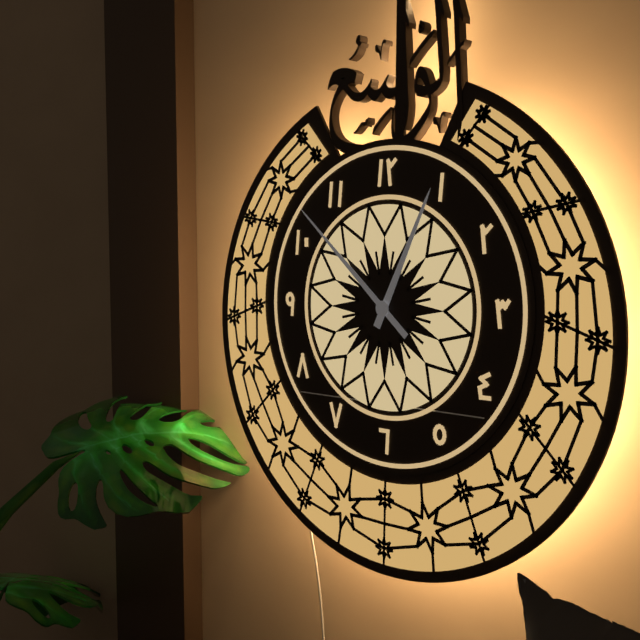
12:52
